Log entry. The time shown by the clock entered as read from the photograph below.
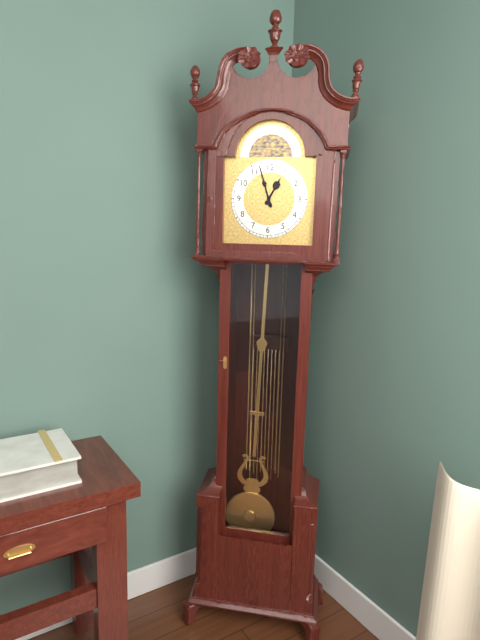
12:57
